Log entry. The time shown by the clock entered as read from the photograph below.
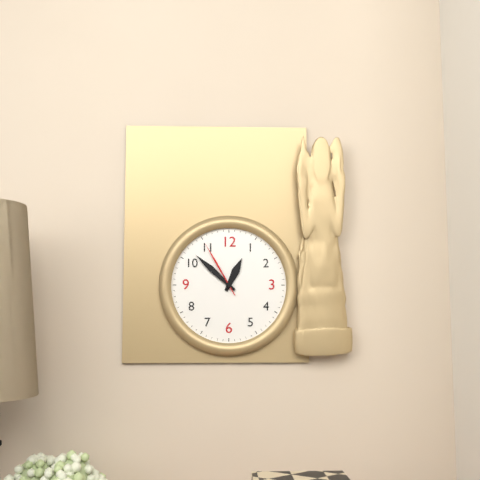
12:52:55
